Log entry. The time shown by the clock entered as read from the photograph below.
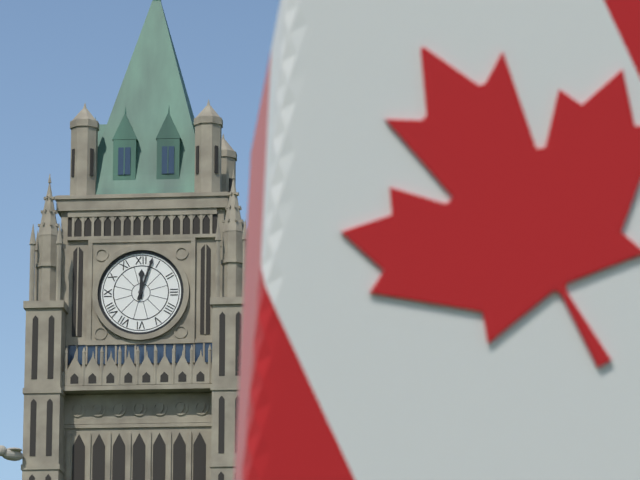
12:03
